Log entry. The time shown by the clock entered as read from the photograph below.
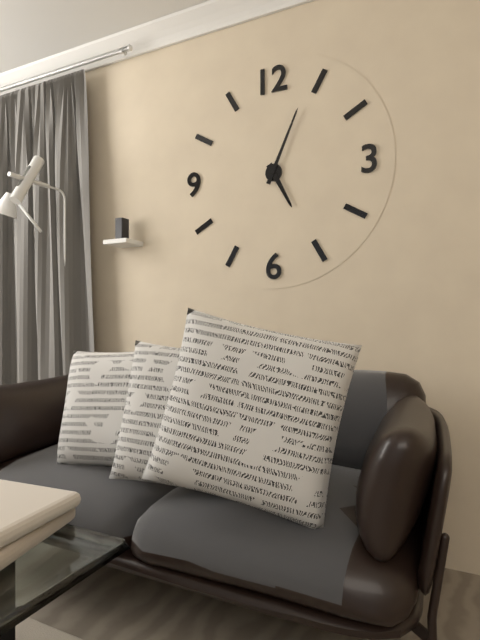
5:04
